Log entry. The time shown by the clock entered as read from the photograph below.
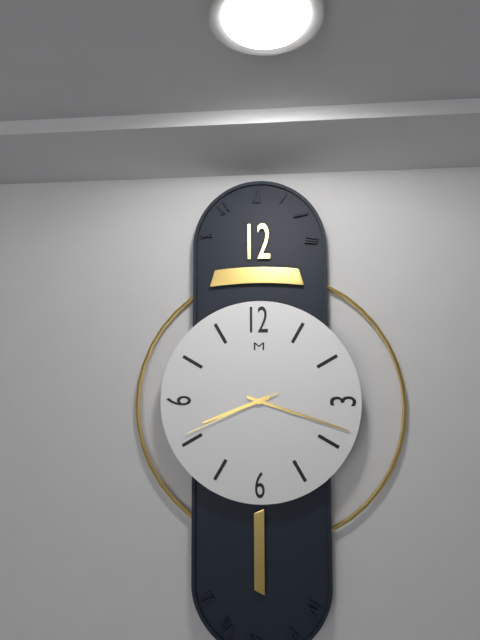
8:18:41
